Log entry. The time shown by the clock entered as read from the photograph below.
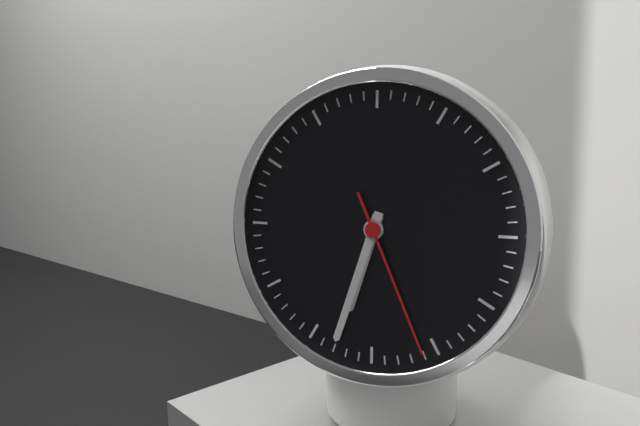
6:33:26
